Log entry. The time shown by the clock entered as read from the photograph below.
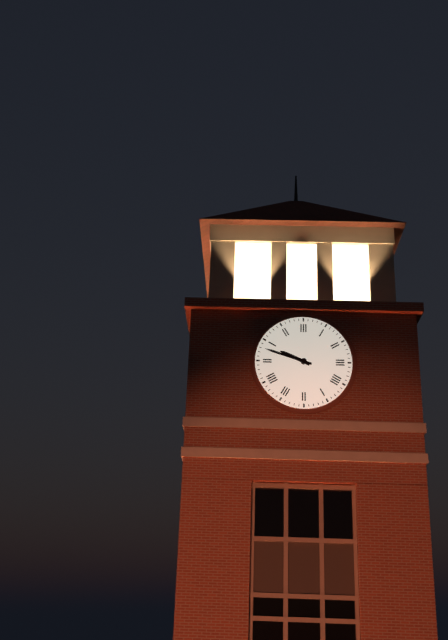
9:48
